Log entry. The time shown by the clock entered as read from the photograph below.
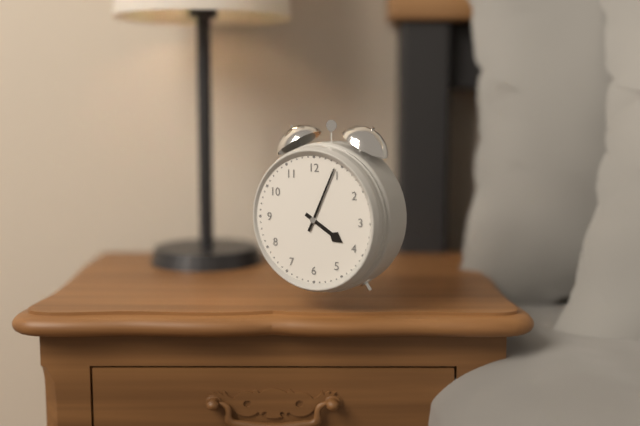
4:04
